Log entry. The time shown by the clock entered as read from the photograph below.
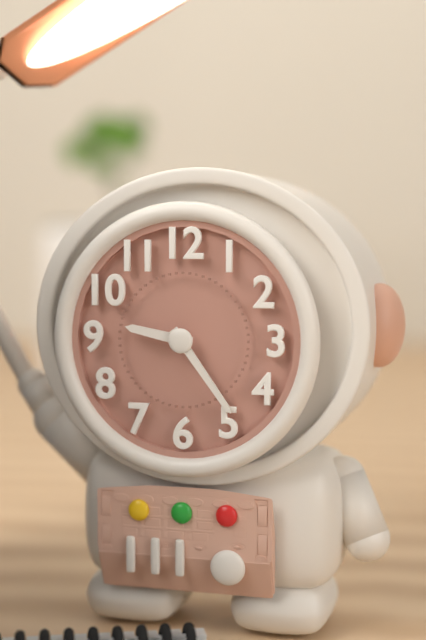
9:24
